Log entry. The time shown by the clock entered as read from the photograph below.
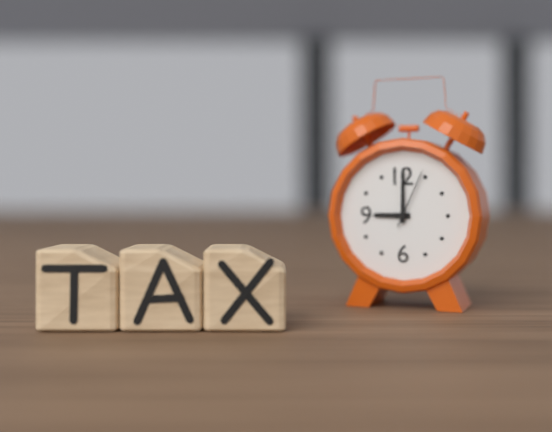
9:00:04
